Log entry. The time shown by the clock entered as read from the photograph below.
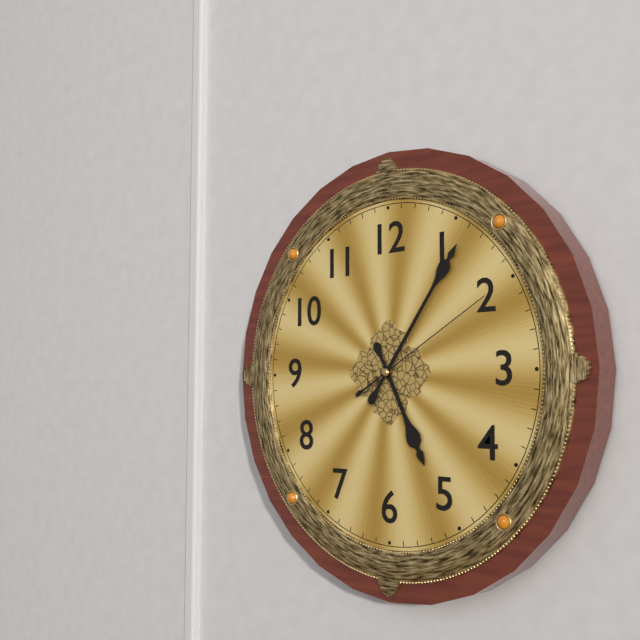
5:06:10
